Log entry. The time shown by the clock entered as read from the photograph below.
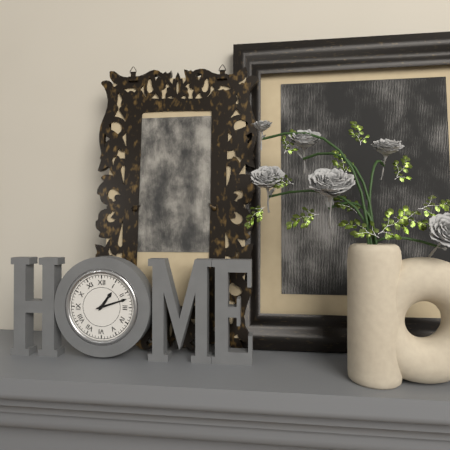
1:12
